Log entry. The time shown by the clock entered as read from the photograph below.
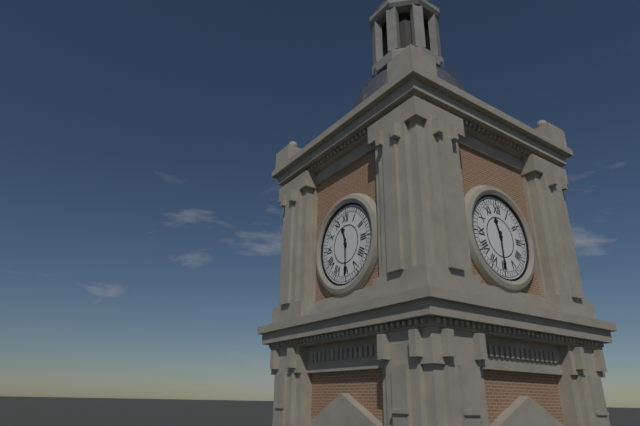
11:30
